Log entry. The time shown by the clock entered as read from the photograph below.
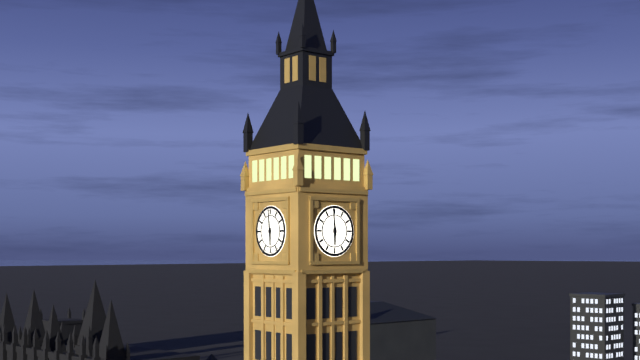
5:59
